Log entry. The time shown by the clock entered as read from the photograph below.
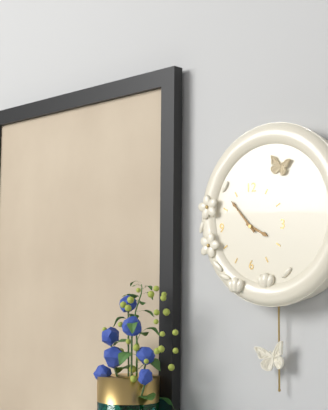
3:53
